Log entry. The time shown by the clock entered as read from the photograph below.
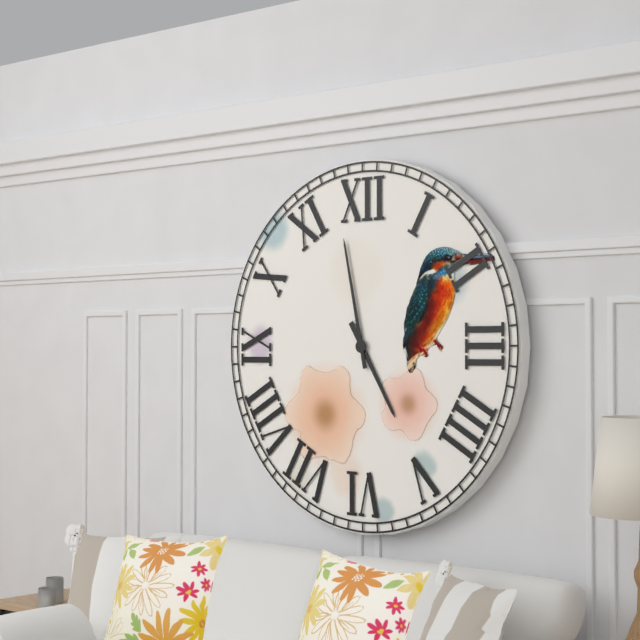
4:58
